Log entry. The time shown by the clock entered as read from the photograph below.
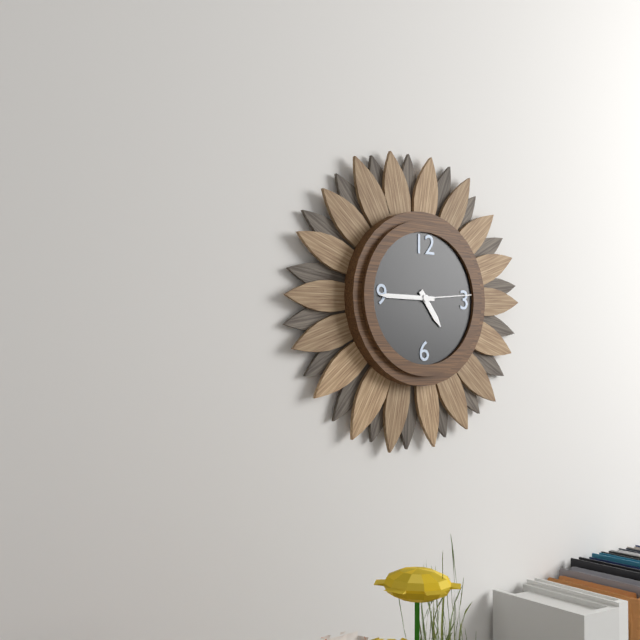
4:45:14
